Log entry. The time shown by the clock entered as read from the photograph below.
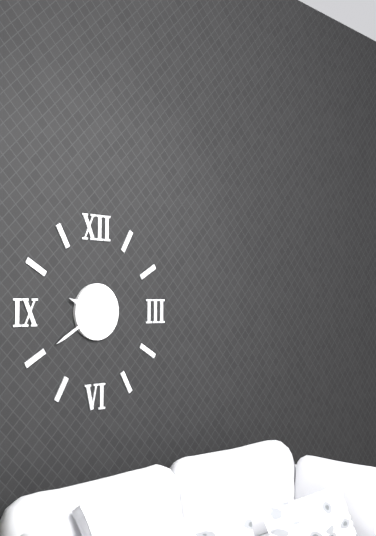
9:40
